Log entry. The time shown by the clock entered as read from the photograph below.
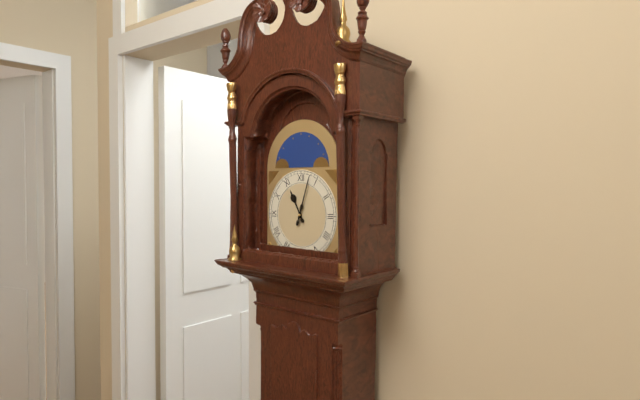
11:03
